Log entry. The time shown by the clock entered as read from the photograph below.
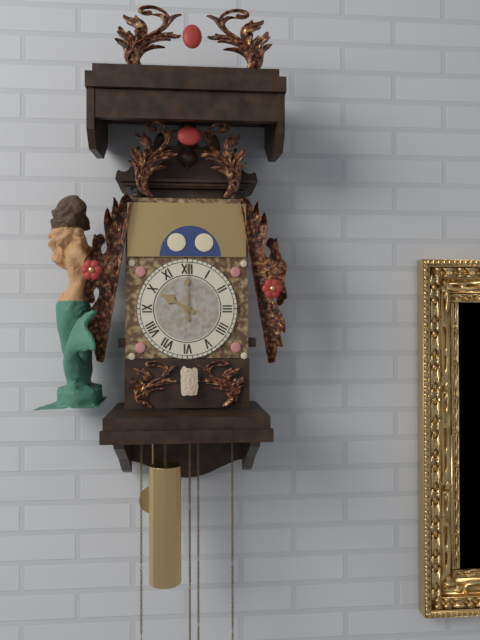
10:00
